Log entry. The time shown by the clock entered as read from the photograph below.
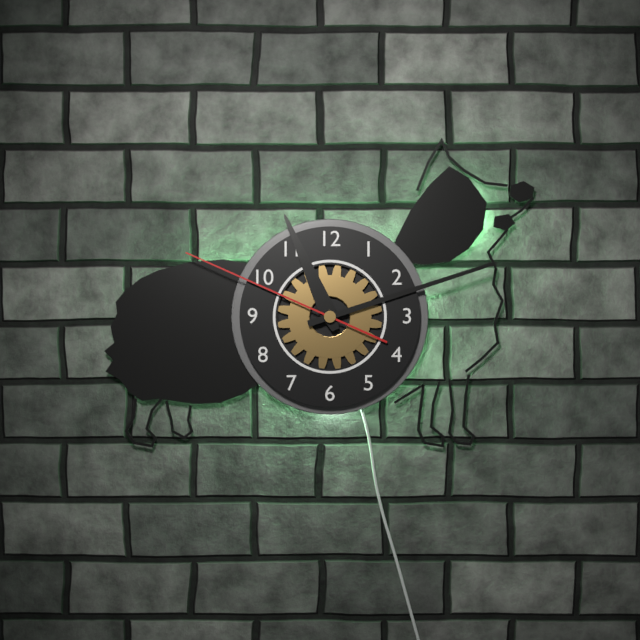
11:12:49
